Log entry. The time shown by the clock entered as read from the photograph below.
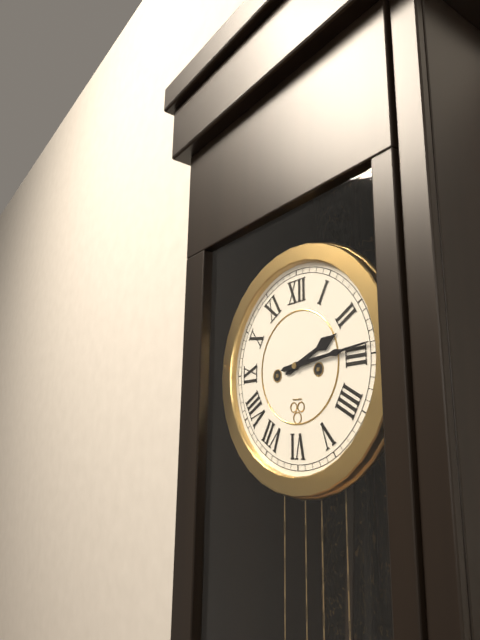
2:14
